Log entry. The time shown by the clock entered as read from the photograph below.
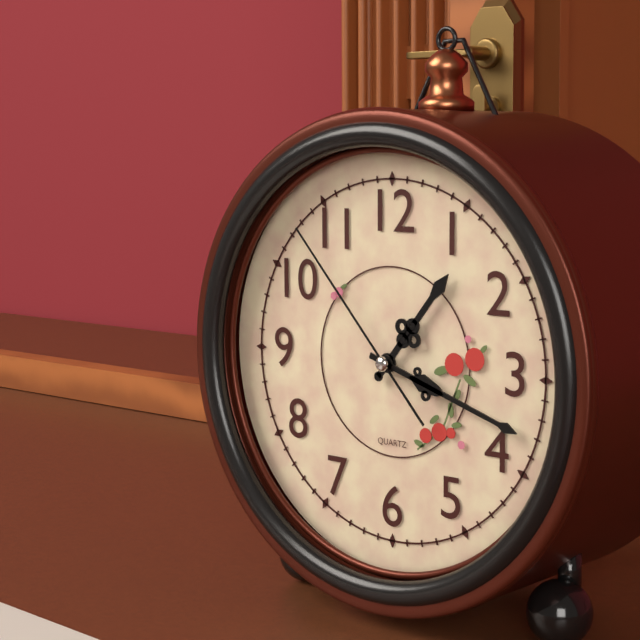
1:18:53
